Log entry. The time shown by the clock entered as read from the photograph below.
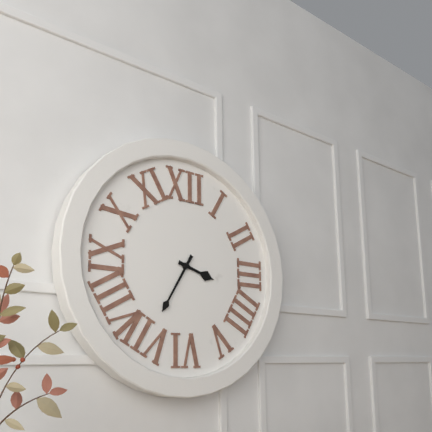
3:35
